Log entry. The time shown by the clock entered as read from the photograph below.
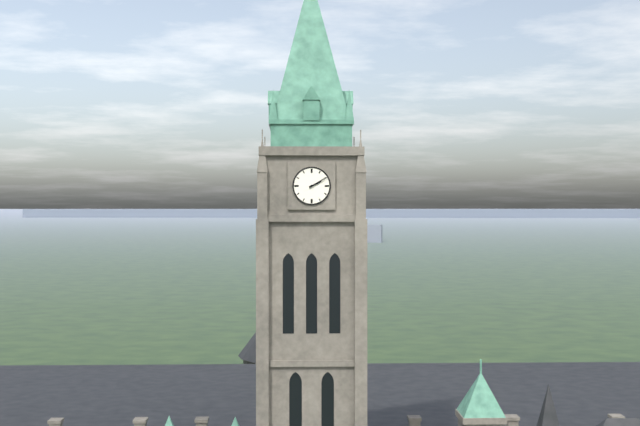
2:10
